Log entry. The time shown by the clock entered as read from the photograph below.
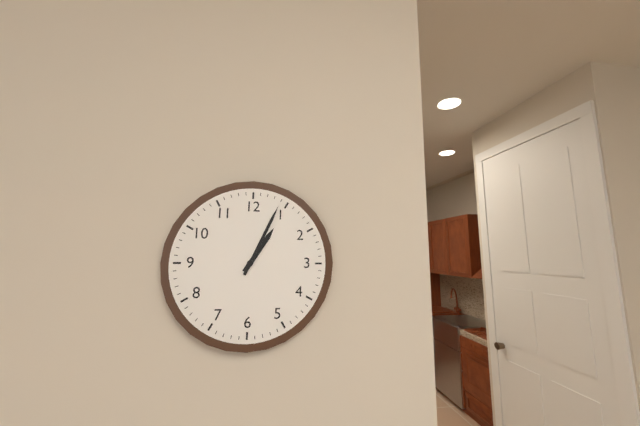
1:04
